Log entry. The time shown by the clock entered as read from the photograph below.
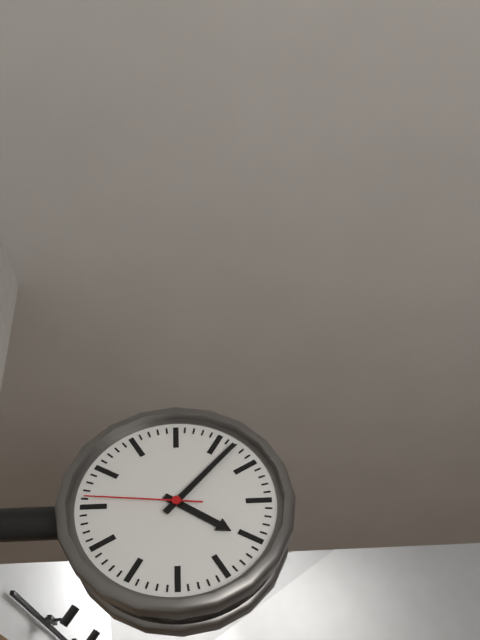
4:07:46
